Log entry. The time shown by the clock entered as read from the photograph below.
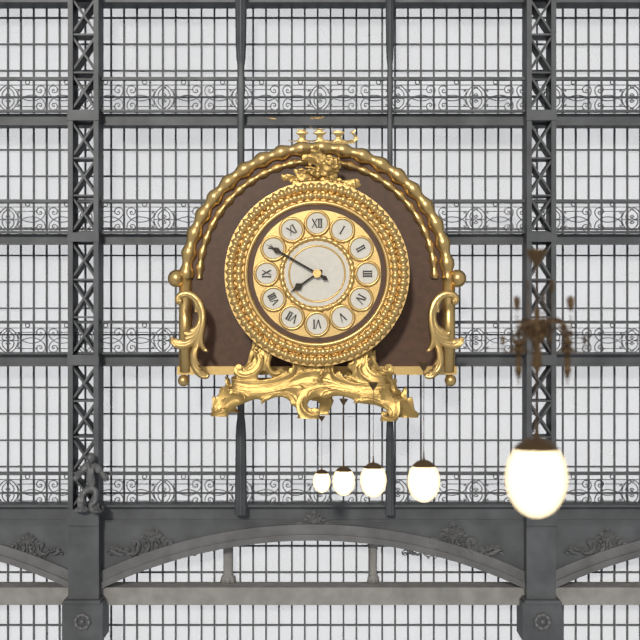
7:50
